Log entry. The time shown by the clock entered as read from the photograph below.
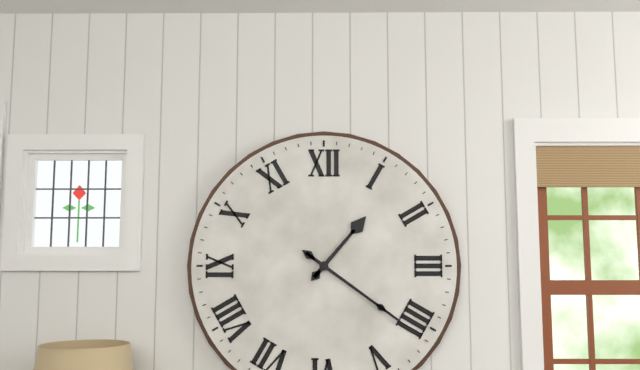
1:21
